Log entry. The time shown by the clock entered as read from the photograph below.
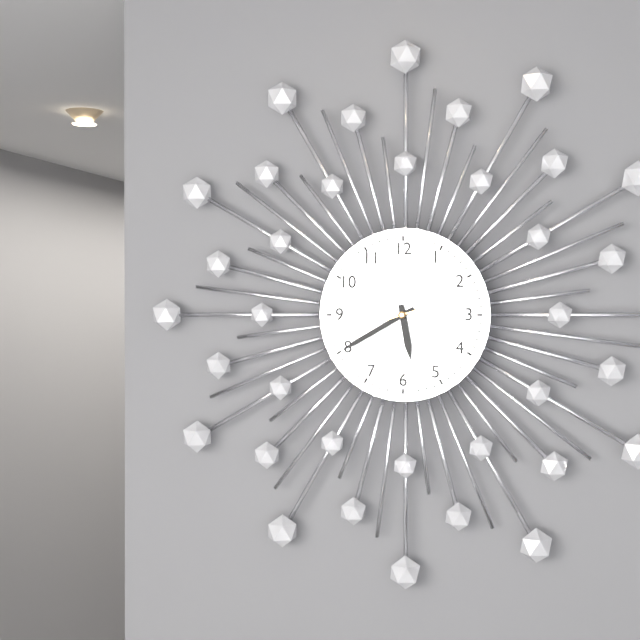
5:40:42
